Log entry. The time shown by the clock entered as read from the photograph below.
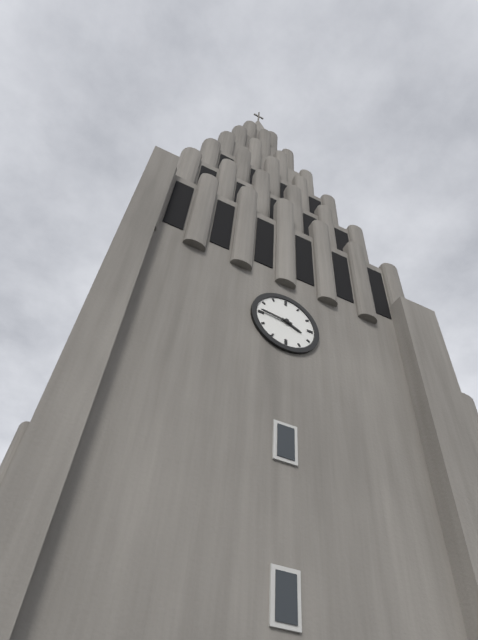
3:46
